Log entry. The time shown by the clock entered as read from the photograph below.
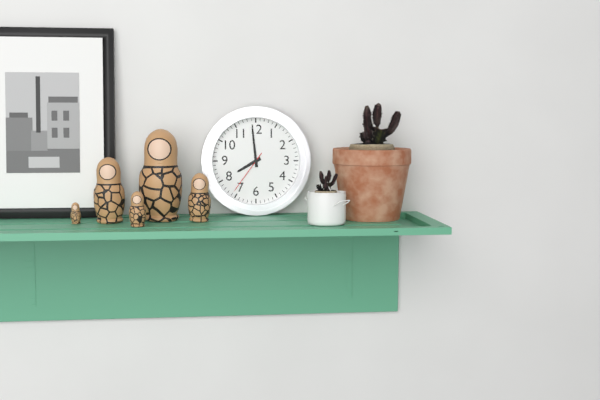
7:59
